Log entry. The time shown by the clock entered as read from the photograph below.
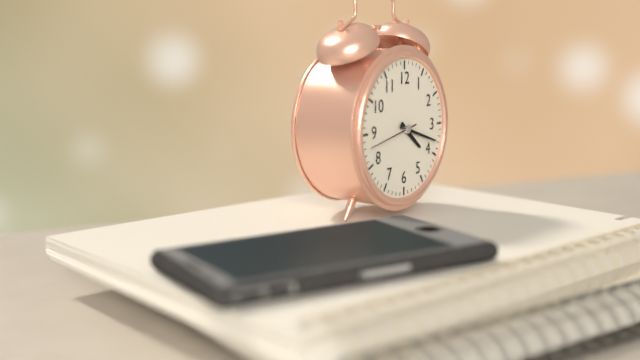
4:18:43
